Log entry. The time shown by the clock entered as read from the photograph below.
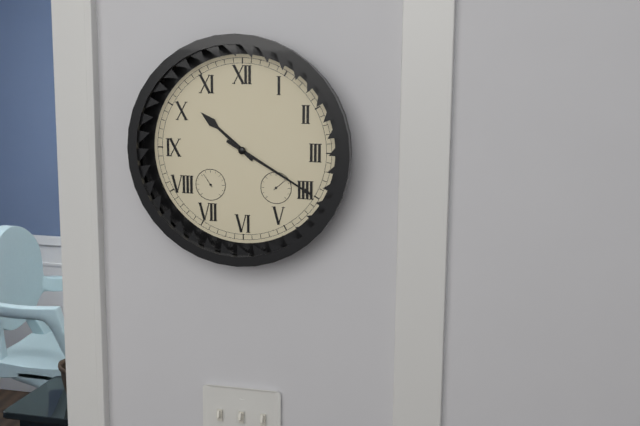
10:20
